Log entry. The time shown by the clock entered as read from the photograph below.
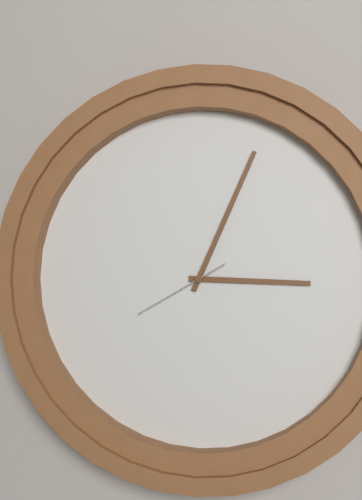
3:04:40
